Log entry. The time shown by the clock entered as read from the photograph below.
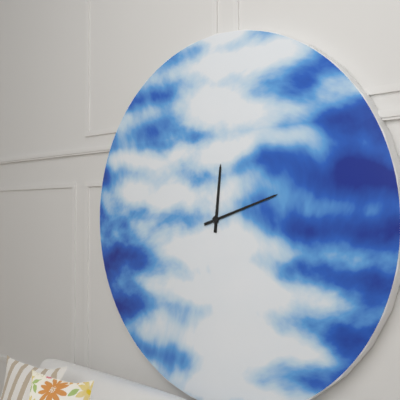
12:12
